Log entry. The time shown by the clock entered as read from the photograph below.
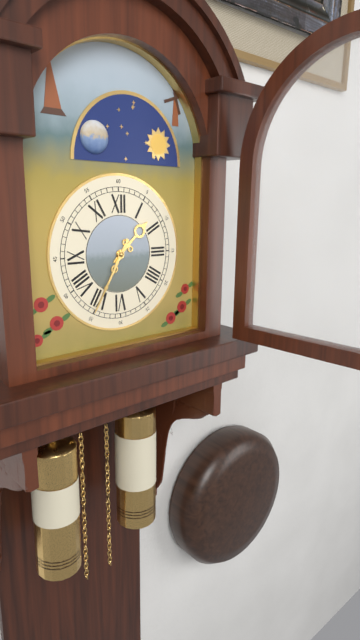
1:35
